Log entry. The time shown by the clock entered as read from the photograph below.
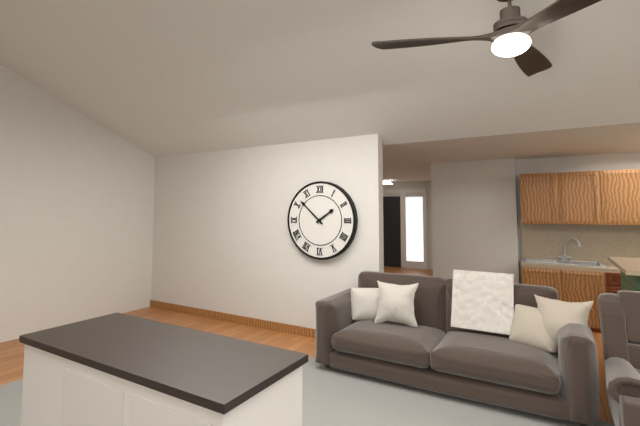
1:52
